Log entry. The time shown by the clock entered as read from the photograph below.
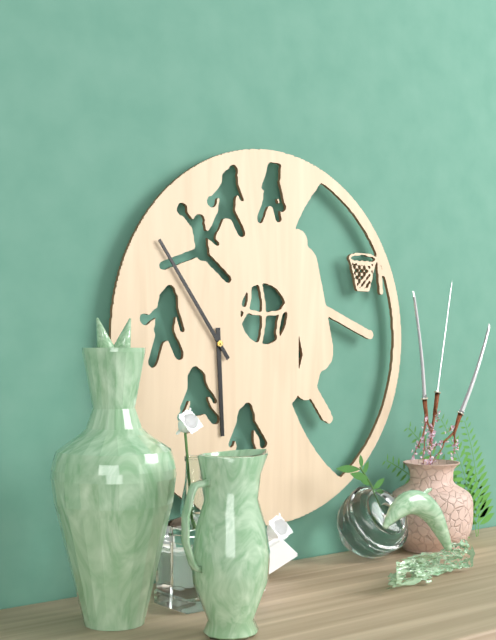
5:54
